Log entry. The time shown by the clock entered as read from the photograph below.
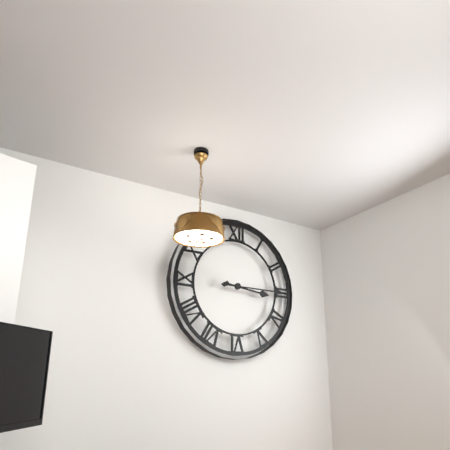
3:15
